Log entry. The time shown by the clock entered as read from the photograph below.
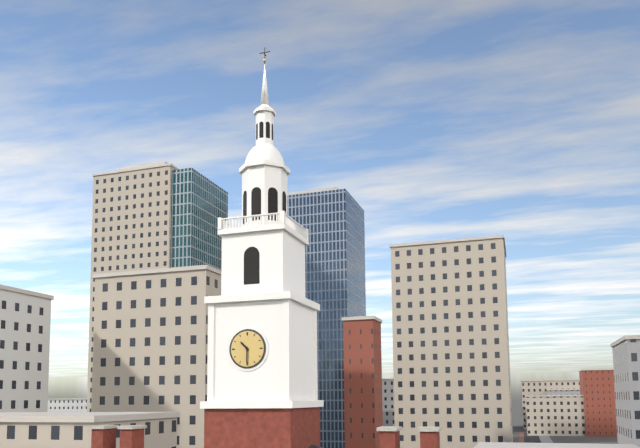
10:30
